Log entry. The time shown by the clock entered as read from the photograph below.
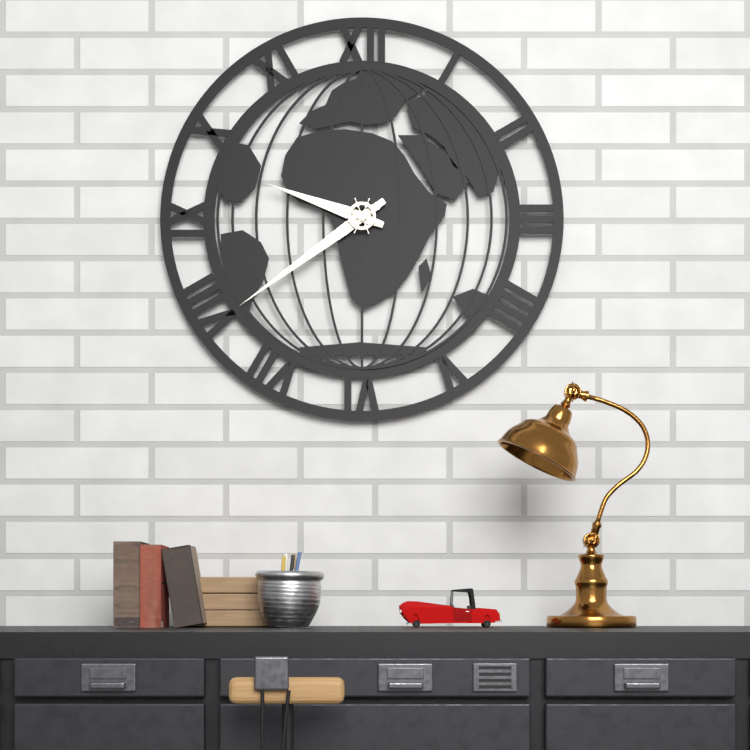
9:39
